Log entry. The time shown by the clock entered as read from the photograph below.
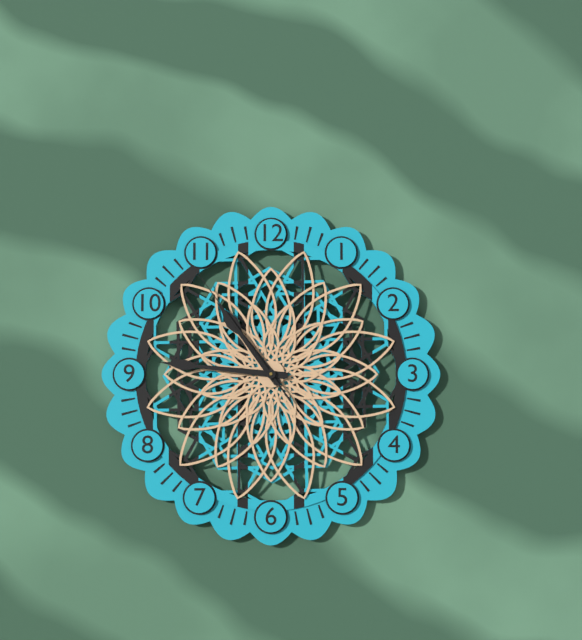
10:46:54
